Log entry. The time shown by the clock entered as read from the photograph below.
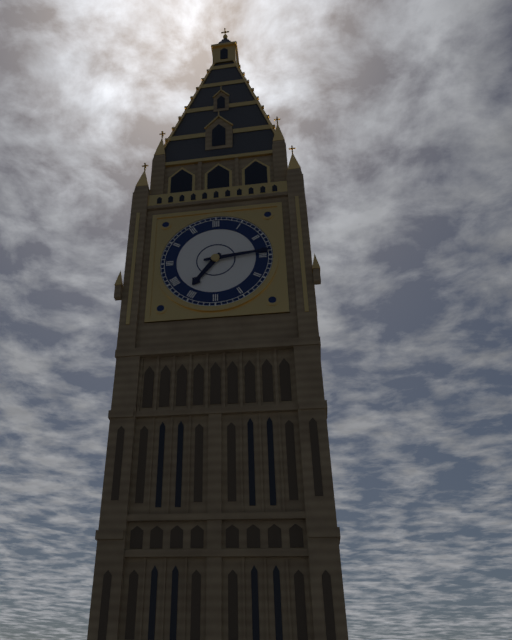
7:14
